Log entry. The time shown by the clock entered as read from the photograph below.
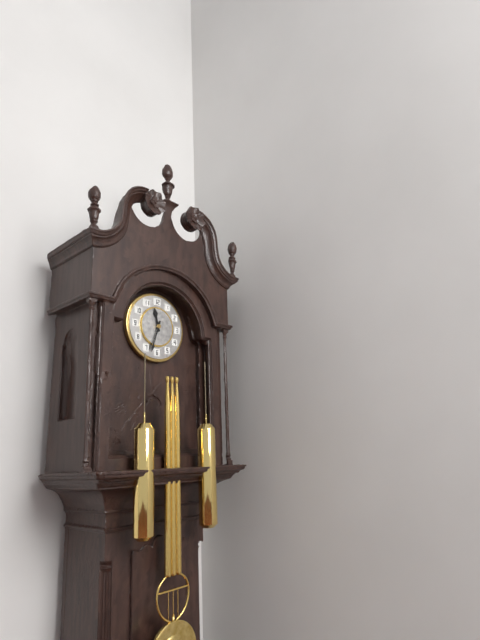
11:33
